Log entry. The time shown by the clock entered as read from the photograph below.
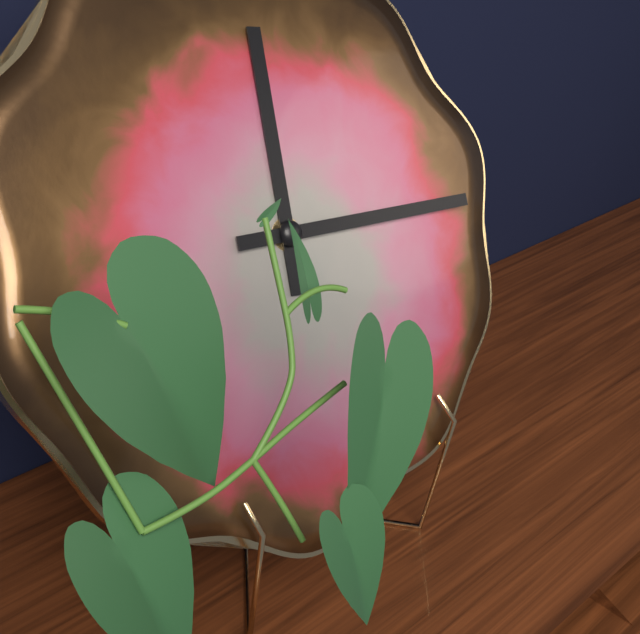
12:16
